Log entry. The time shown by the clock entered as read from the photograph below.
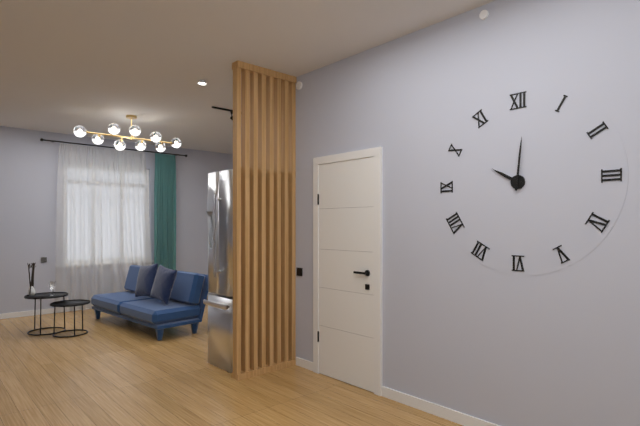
10:01
